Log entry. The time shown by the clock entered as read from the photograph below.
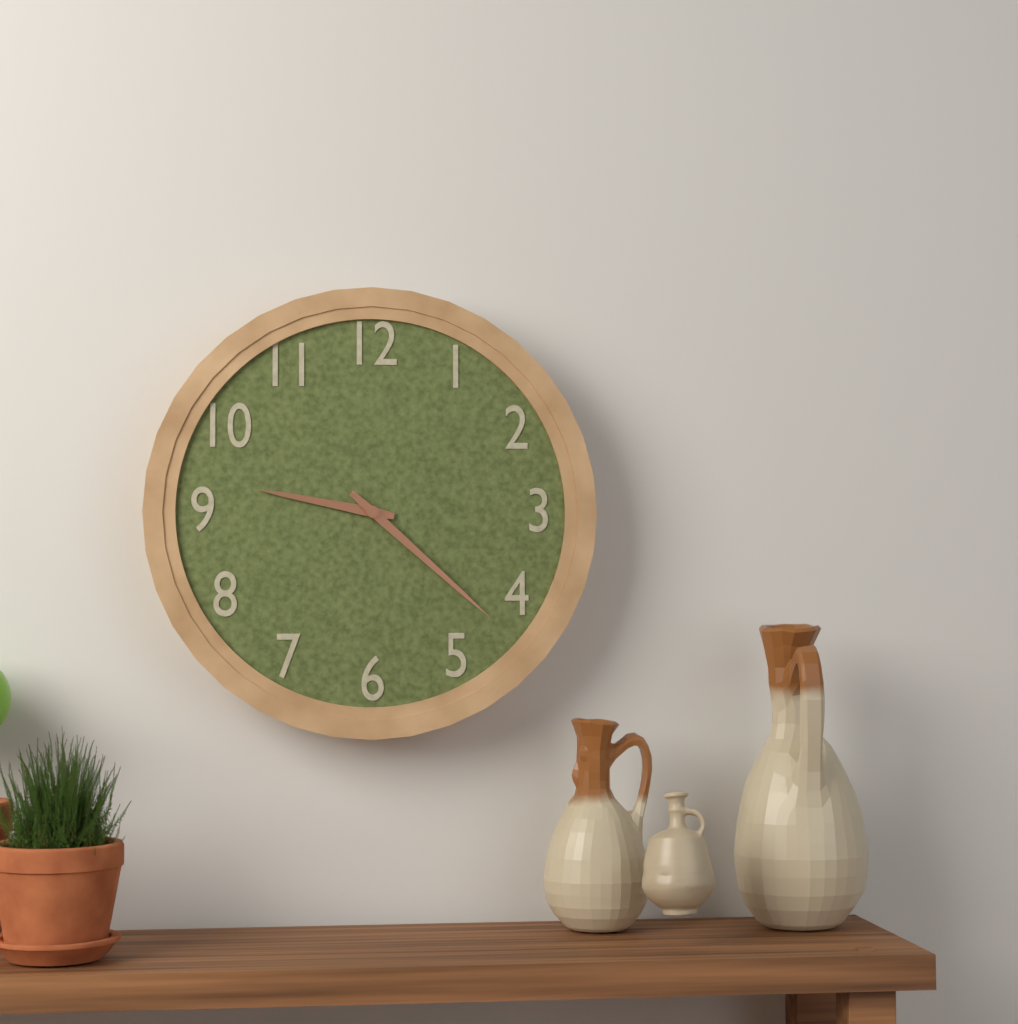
9:22
